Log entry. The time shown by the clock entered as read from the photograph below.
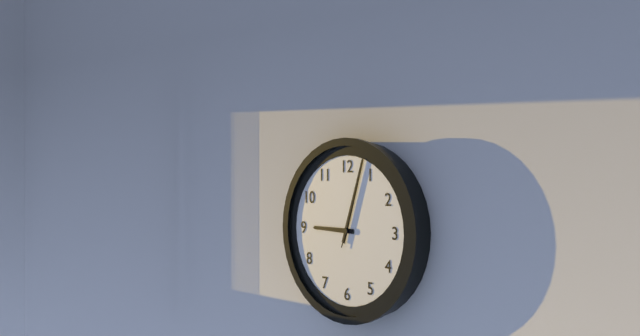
9:03:03
